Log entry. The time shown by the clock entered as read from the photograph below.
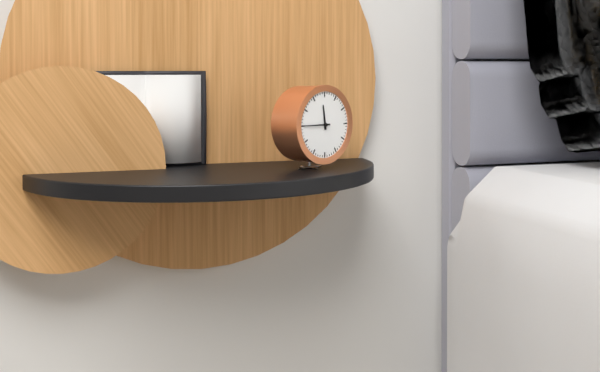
11:45
